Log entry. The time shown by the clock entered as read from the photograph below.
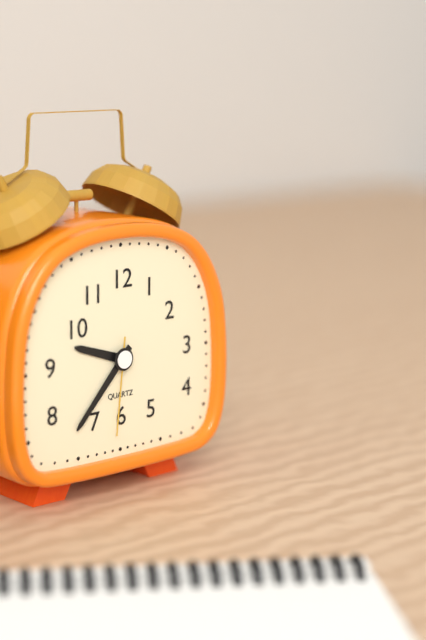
9:37:31
